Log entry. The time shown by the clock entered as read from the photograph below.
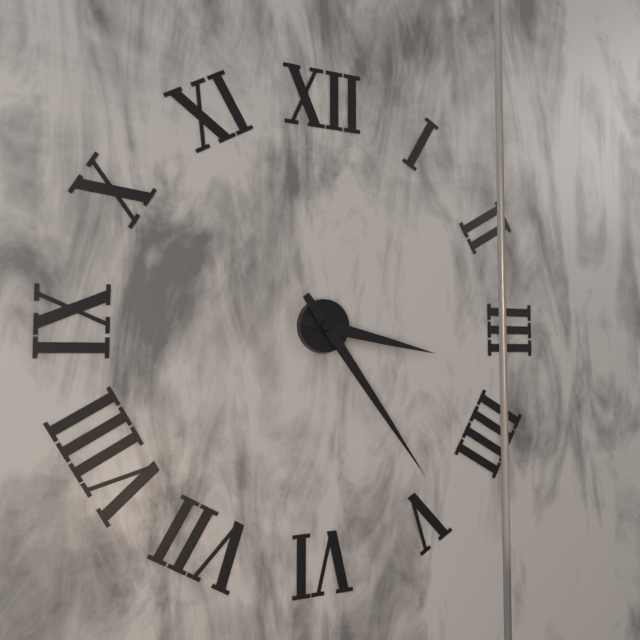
3:24
